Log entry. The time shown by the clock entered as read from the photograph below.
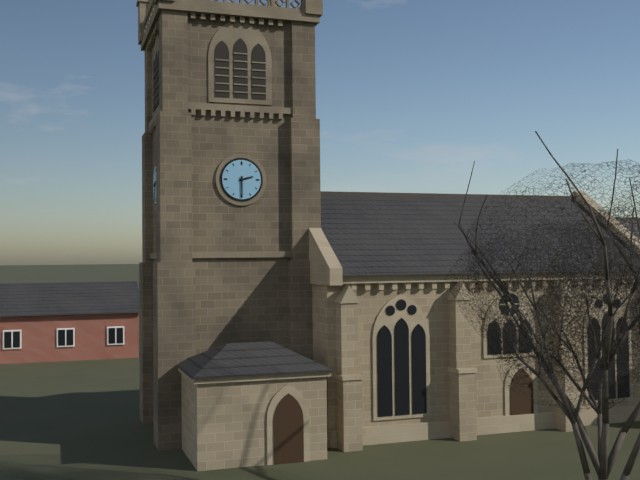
2:30
